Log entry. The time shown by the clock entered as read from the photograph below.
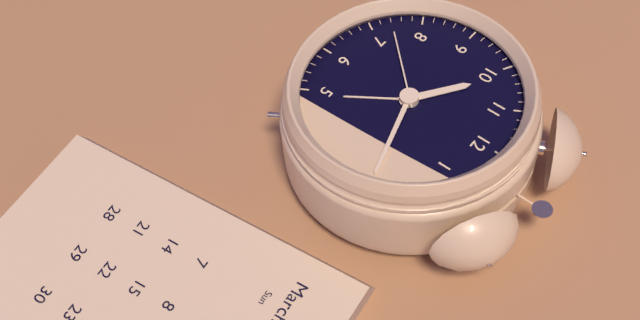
10:12:37
